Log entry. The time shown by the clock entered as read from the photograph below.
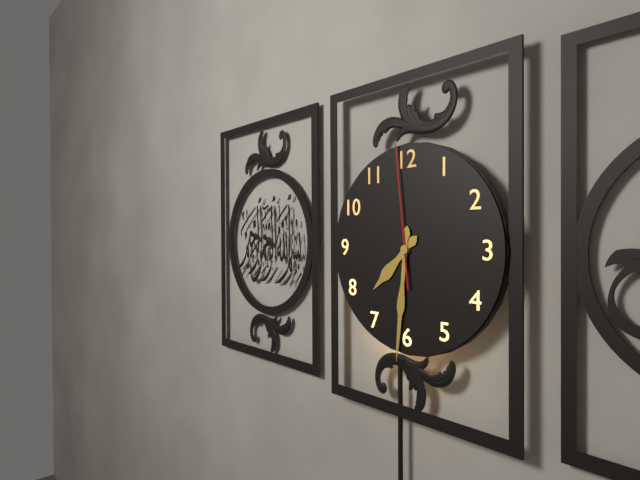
7:31:59
